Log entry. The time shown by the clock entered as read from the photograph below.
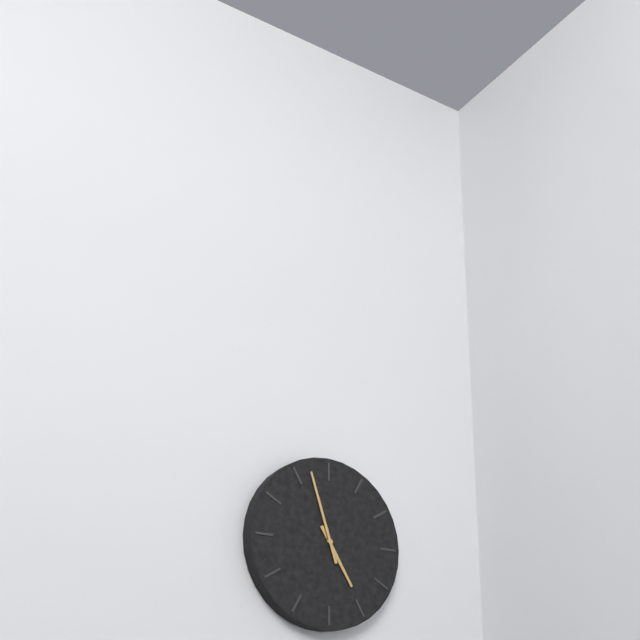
4:57
